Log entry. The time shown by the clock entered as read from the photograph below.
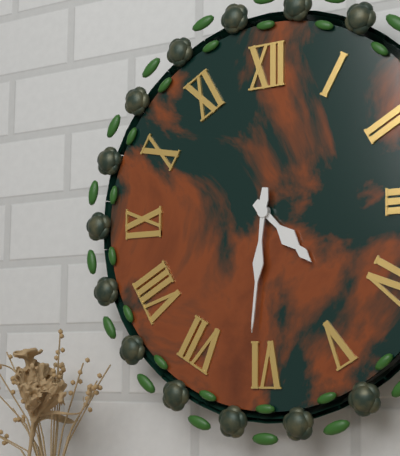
4:31
